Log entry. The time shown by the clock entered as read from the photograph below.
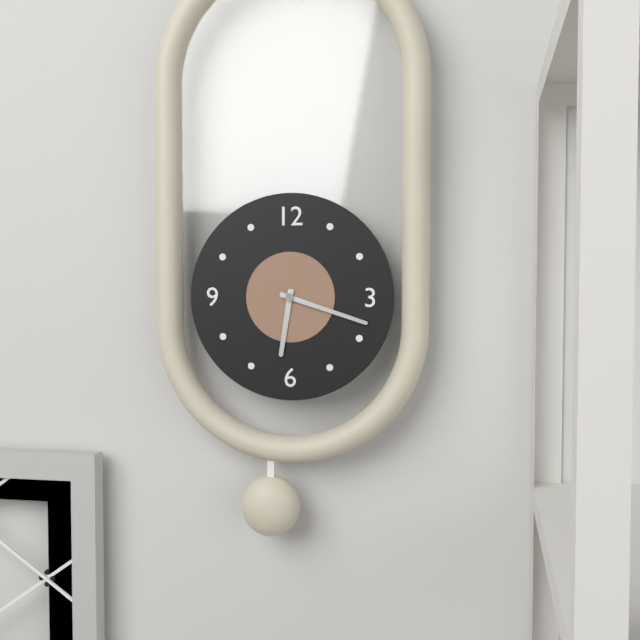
6:18
